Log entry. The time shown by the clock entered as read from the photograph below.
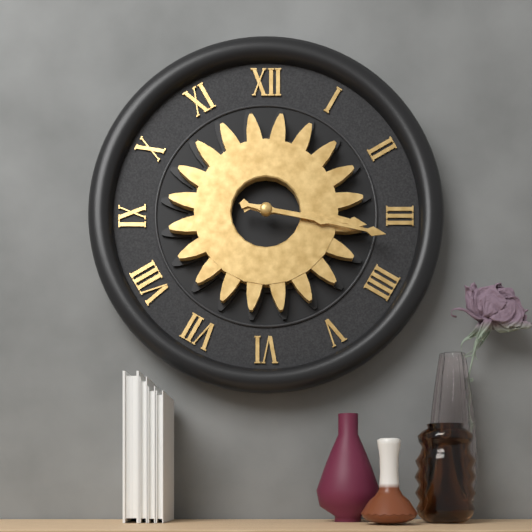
3:17
